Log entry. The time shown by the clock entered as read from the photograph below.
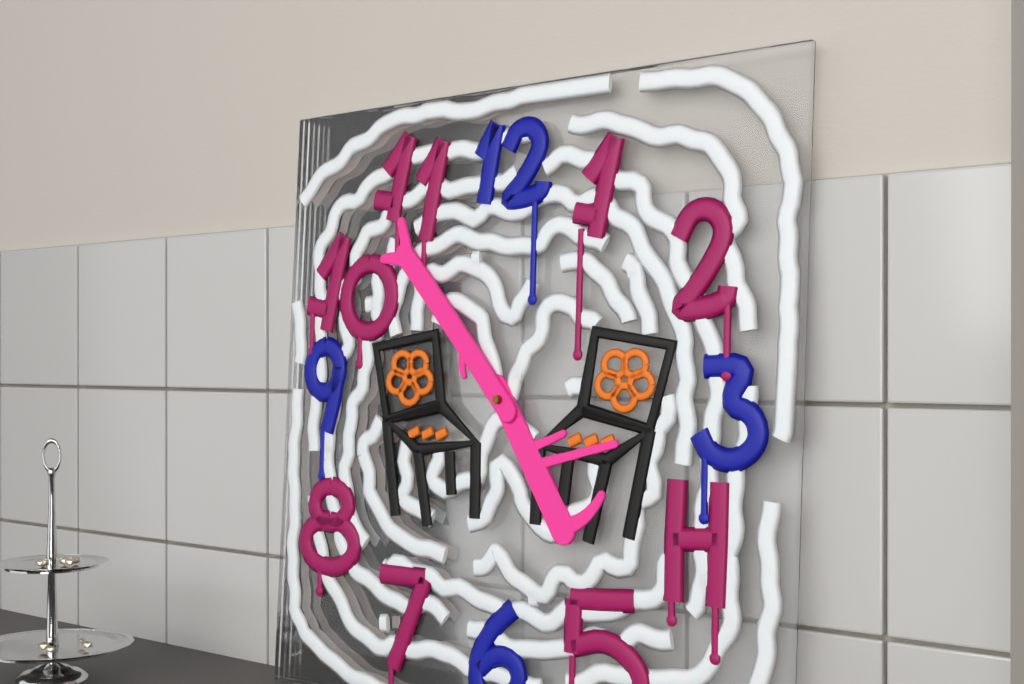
4:53
